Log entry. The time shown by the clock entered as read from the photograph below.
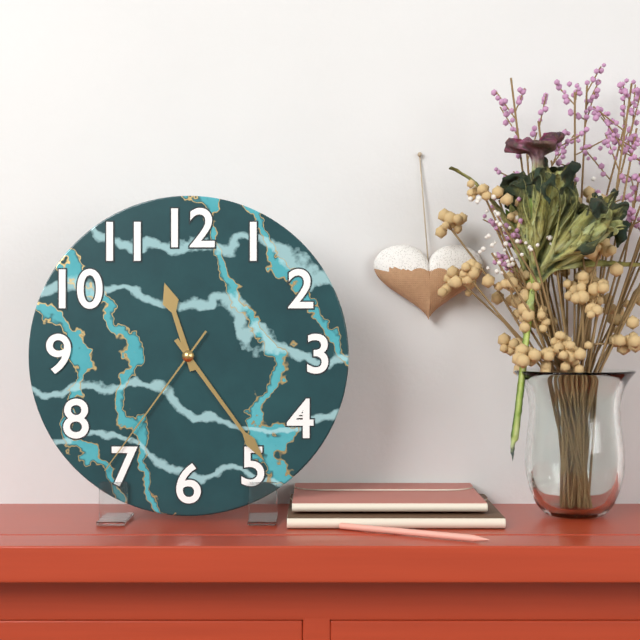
11:24:36
